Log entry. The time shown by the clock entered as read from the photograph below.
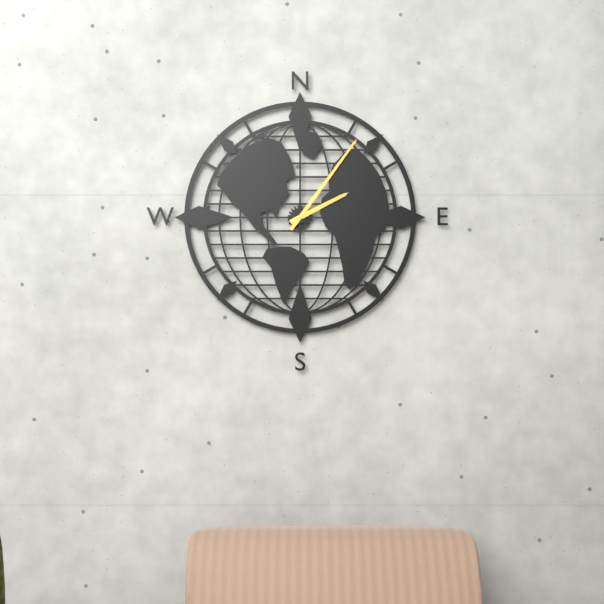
2:06
